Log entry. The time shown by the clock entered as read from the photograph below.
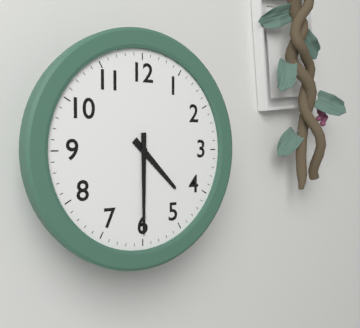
4:30
